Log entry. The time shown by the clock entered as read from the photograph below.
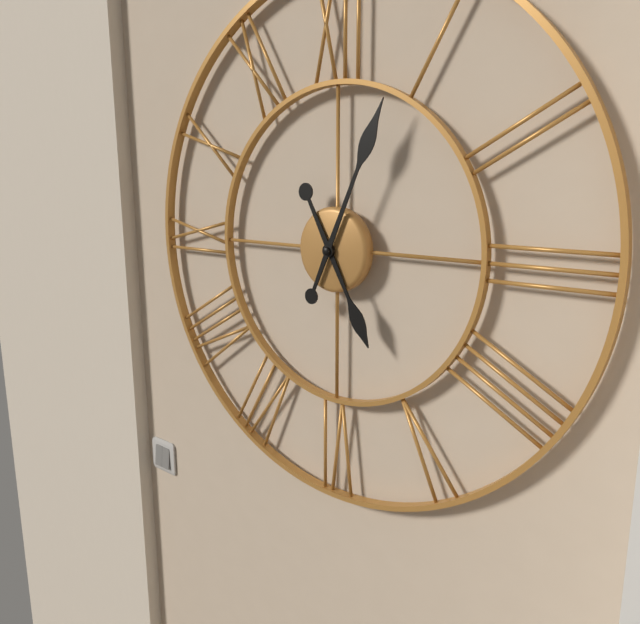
5:04
